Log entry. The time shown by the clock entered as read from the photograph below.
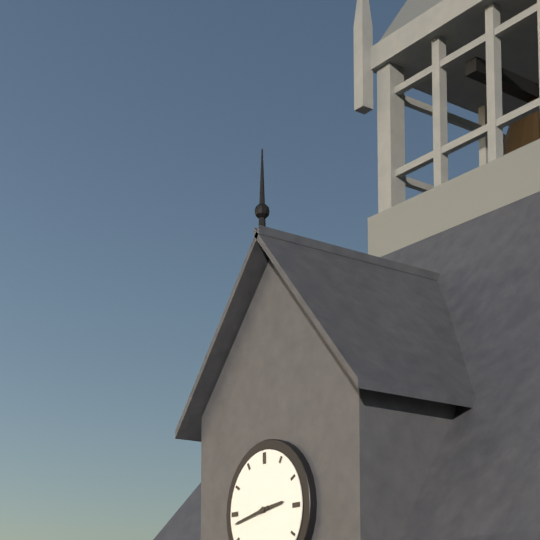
2:43
